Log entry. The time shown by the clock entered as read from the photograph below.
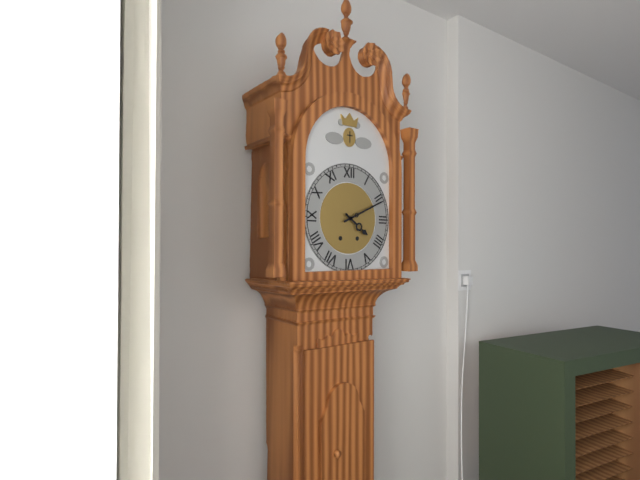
4:11
